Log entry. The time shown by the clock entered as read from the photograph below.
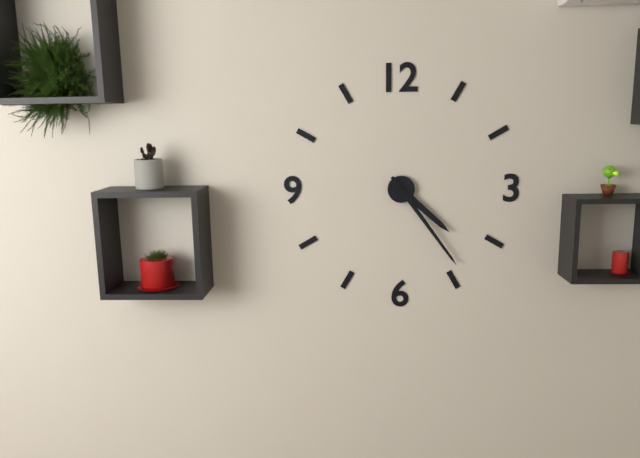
4:24
